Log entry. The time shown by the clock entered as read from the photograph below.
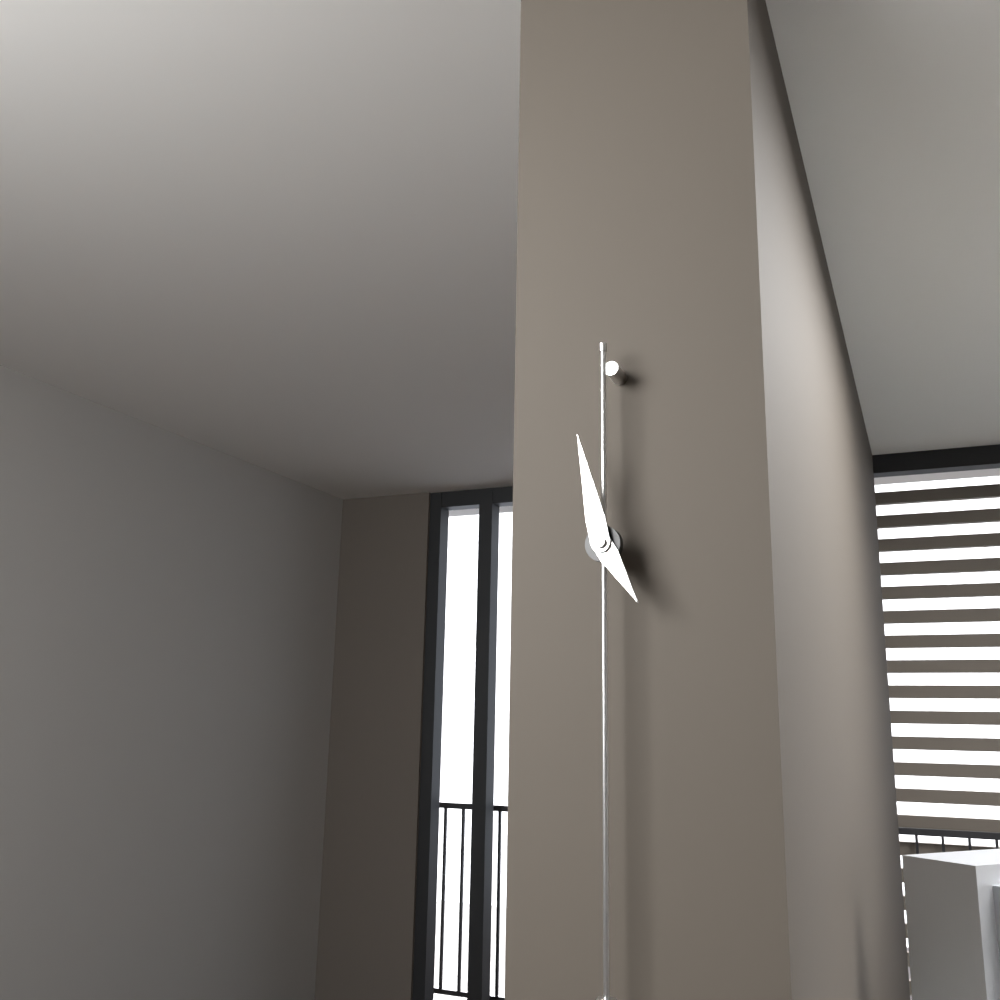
4:58
